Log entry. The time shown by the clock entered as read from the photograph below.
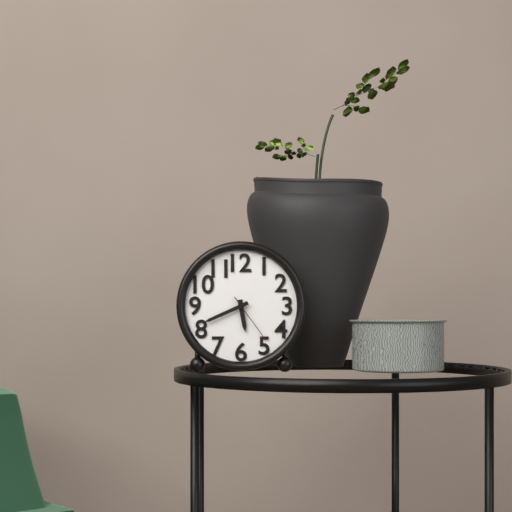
5:41:24
